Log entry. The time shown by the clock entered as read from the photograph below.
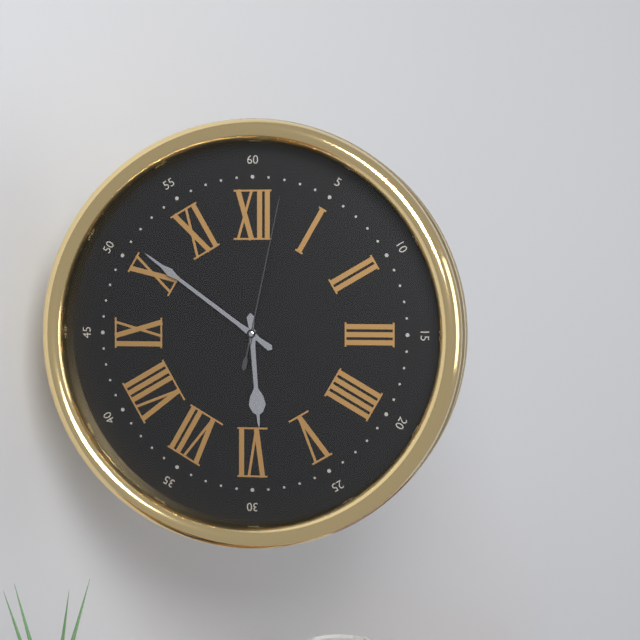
5:51:02
